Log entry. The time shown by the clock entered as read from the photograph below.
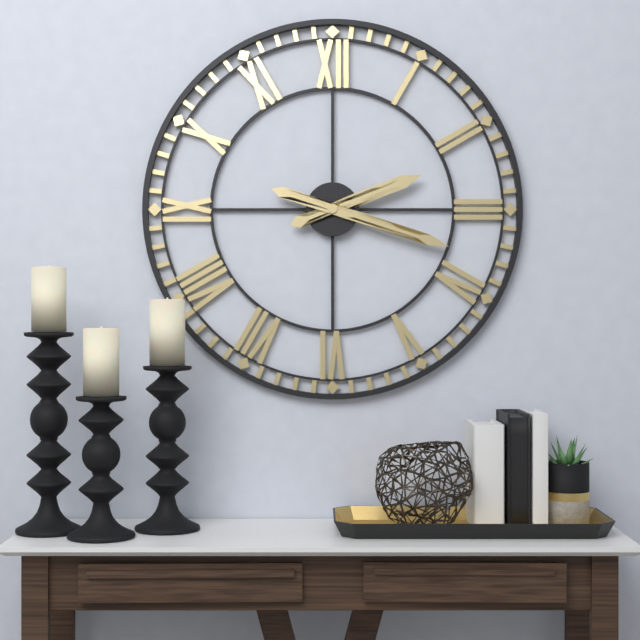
2:18
